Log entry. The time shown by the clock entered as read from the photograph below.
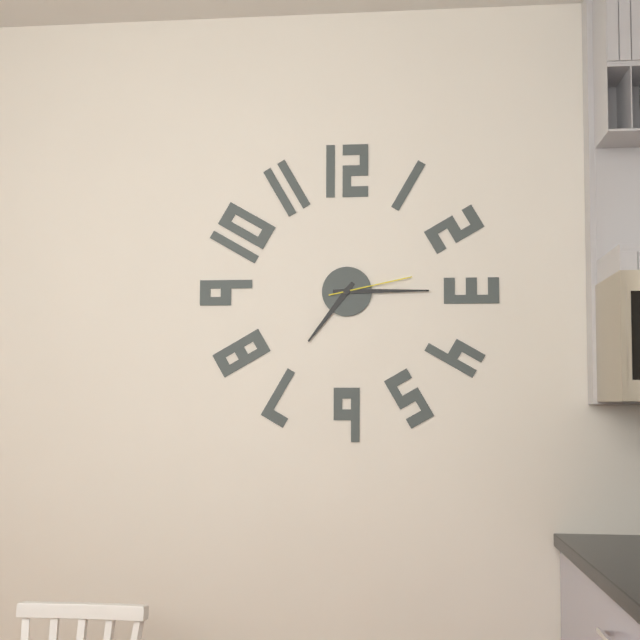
7:15:13
